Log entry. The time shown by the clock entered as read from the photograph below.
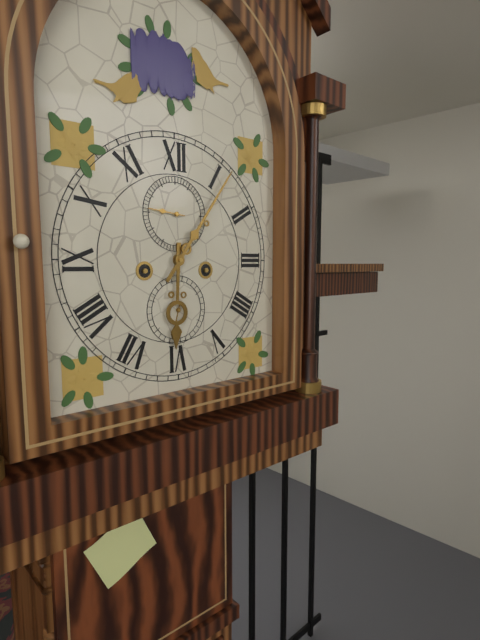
6:06
